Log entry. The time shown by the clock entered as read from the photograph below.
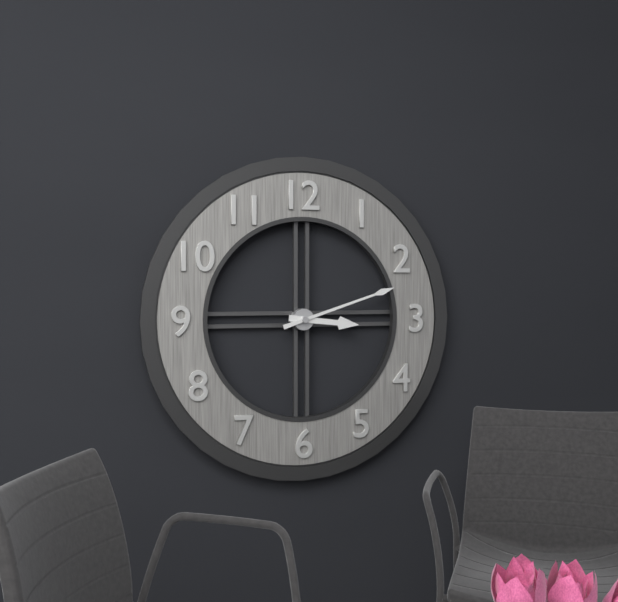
3:12
